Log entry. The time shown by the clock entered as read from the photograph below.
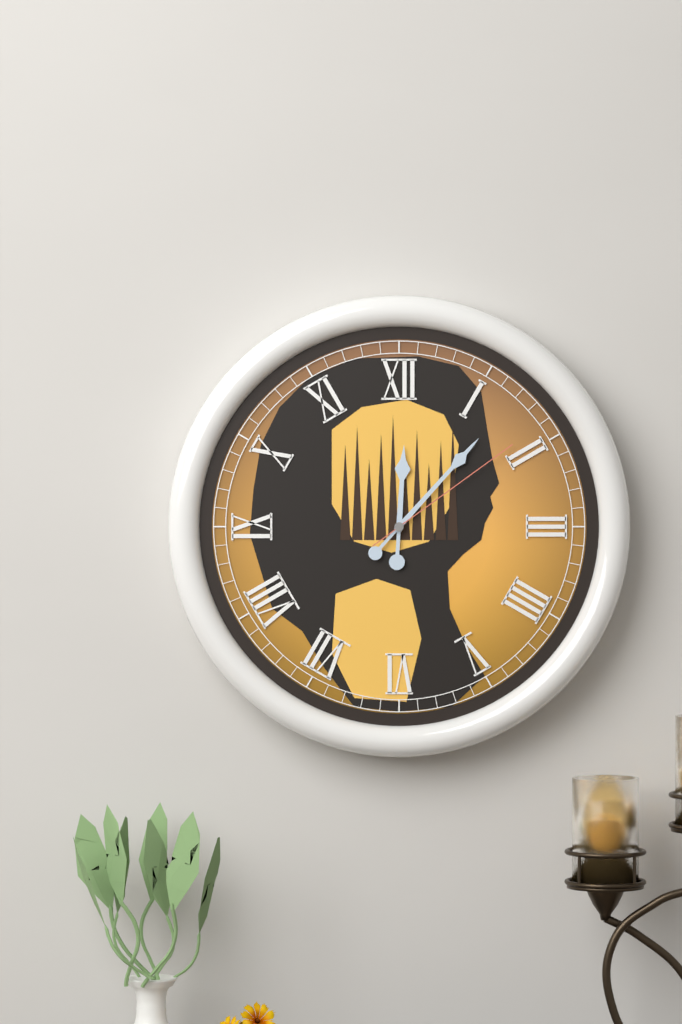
12:07:09
